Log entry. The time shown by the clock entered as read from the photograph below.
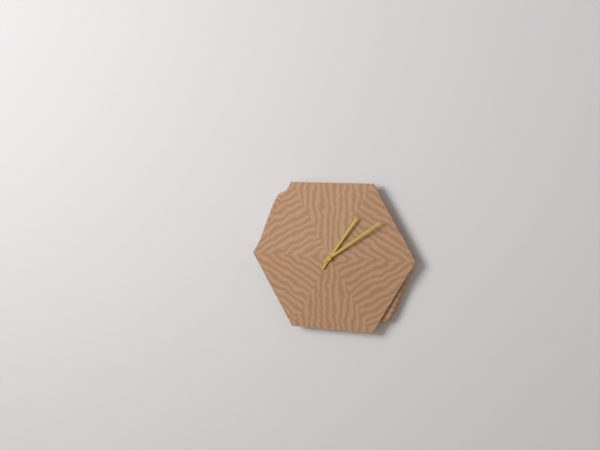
1:09
